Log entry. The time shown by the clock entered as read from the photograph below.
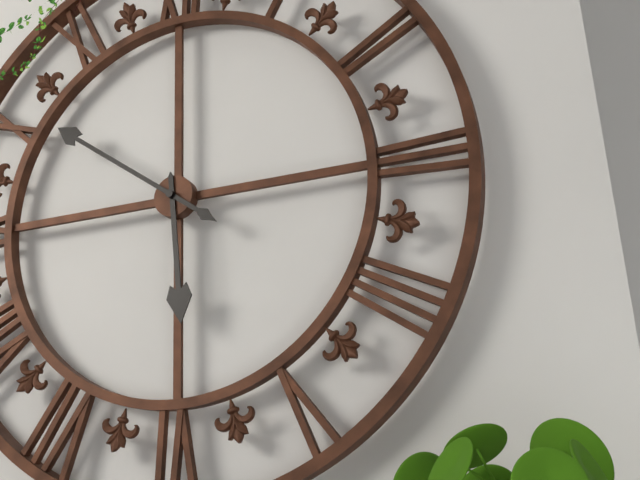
5:51
